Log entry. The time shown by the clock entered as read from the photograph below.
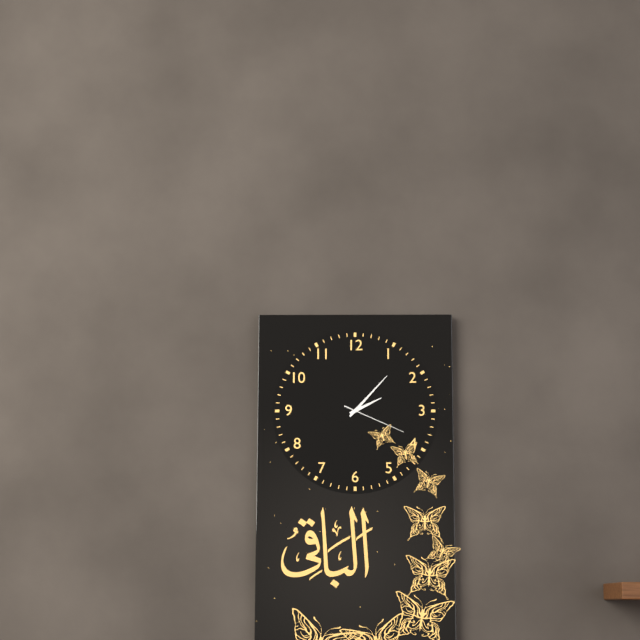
2:07:19
